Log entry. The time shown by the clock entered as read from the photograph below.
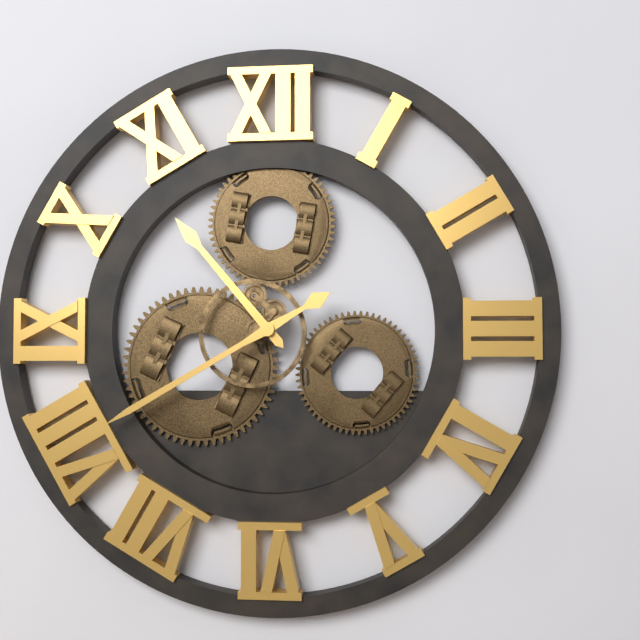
10:40
